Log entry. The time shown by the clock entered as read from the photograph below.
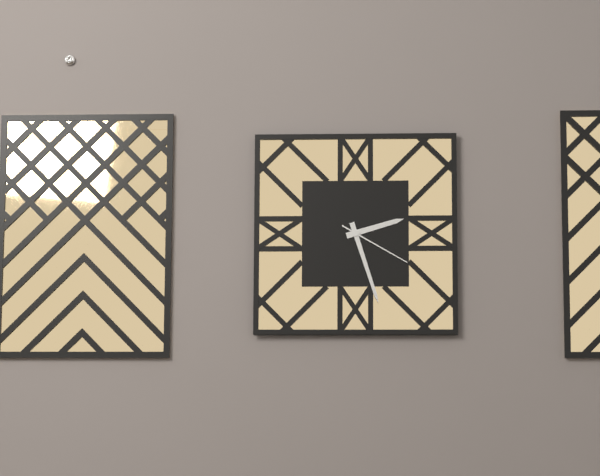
2:27:20
